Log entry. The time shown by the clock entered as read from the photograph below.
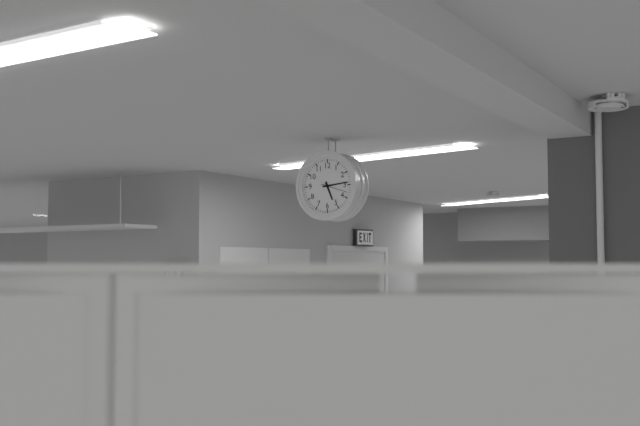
5:14
